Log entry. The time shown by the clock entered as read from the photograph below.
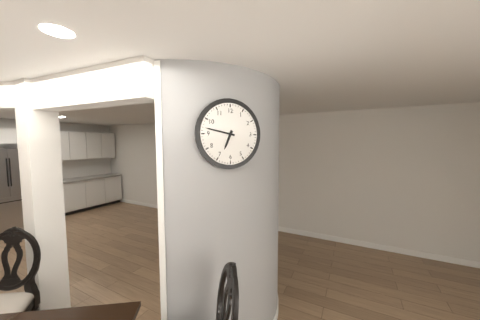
6:47
